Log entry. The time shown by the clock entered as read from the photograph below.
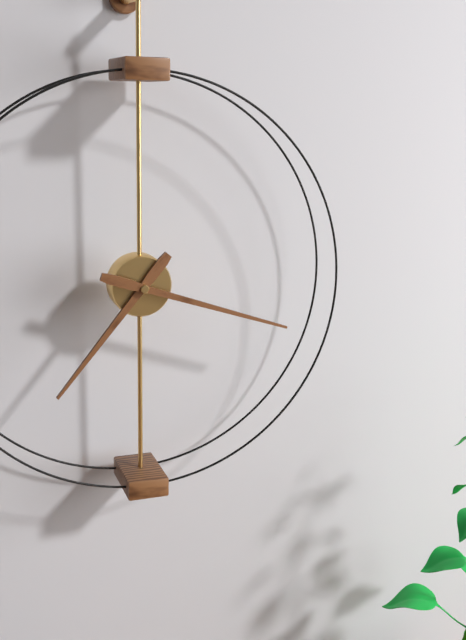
7:18
